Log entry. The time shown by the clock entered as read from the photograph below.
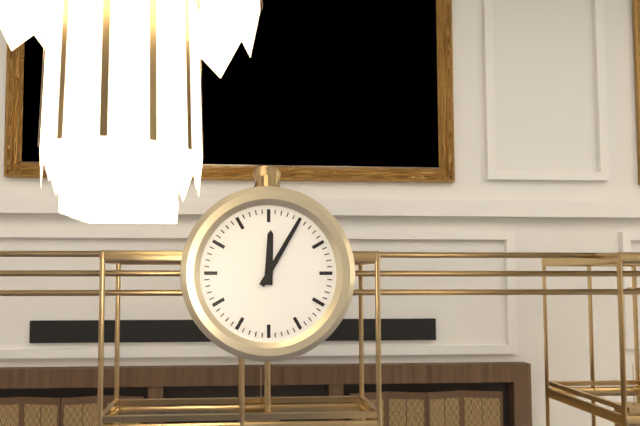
12:05
